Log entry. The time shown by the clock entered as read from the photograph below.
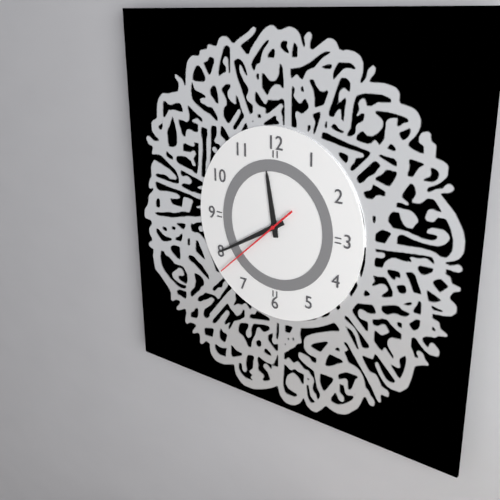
11:40:38
